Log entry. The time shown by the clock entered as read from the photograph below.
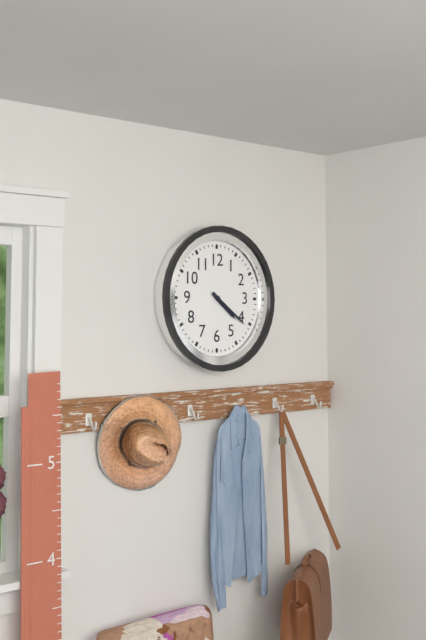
4:21
